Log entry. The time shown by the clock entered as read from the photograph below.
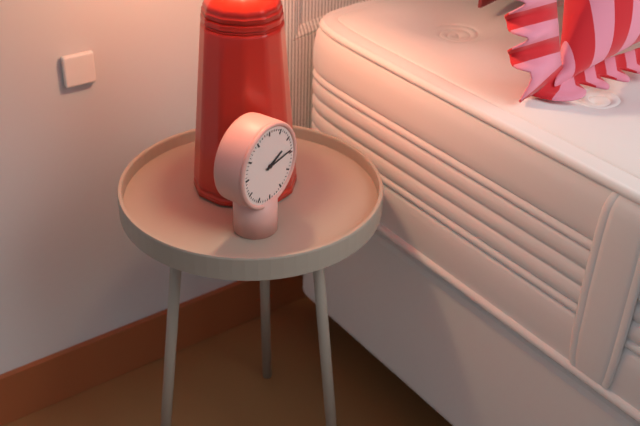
2:14
